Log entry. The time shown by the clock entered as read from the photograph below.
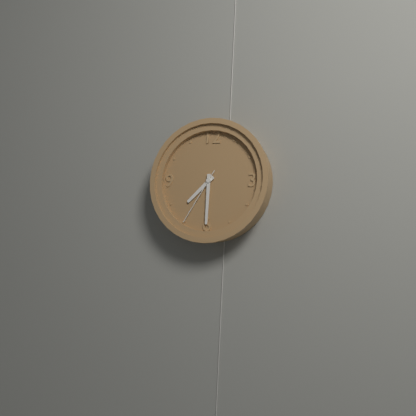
7:30:35
